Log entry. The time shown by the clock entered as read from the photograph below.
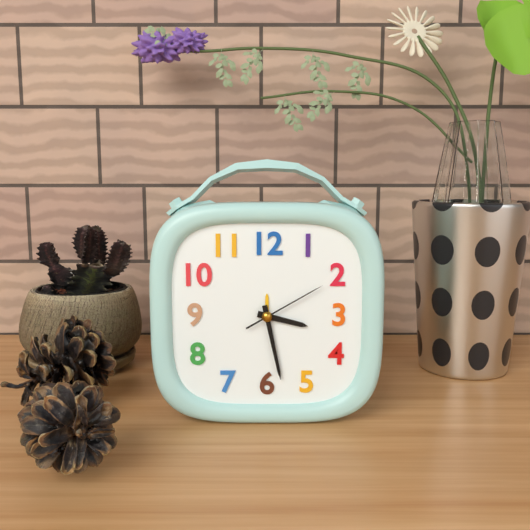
3:28:10
